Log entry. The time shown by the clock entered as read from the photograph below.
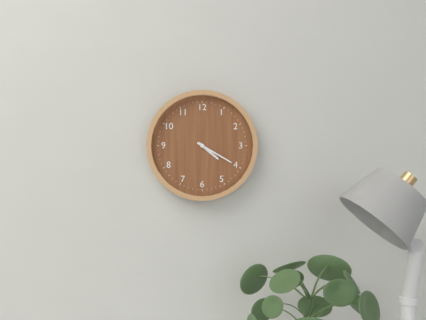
4:20
